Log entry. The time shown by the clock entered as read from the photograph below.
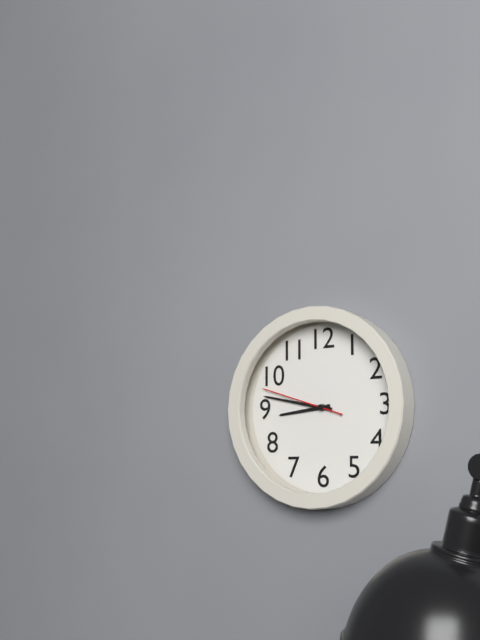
8:47:48
